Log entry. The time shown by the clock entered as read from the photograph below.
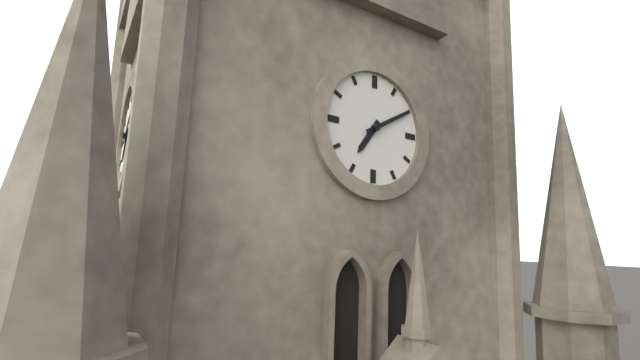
7:10
